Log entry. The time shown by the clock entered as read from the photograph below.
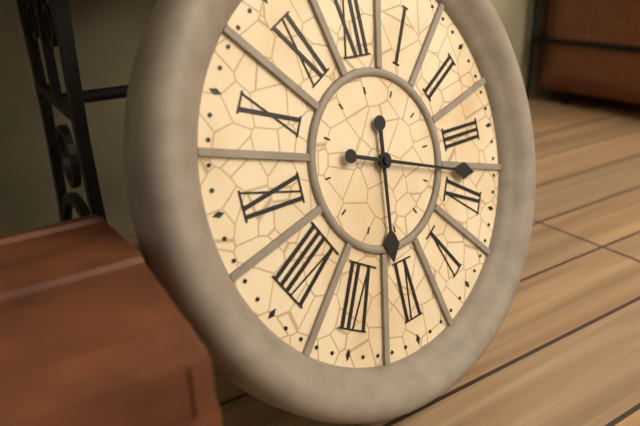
6:18
